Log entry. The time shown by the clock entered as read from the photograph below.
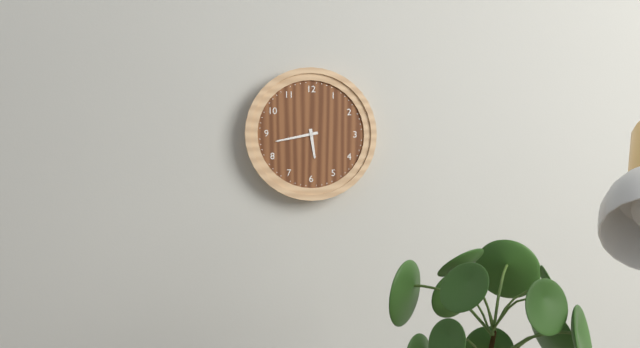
5:43
